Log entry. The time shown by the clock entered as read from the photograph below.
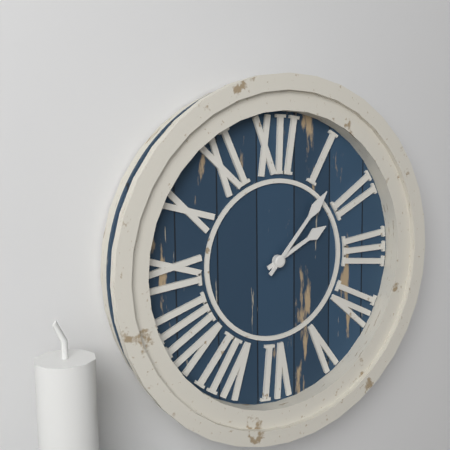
2:07
